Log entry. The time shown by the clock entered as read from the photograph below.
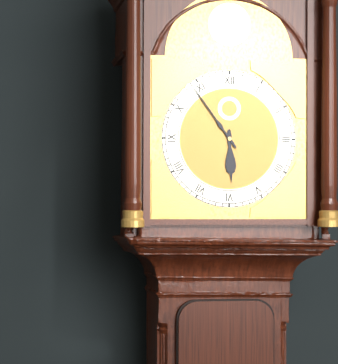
5:54
